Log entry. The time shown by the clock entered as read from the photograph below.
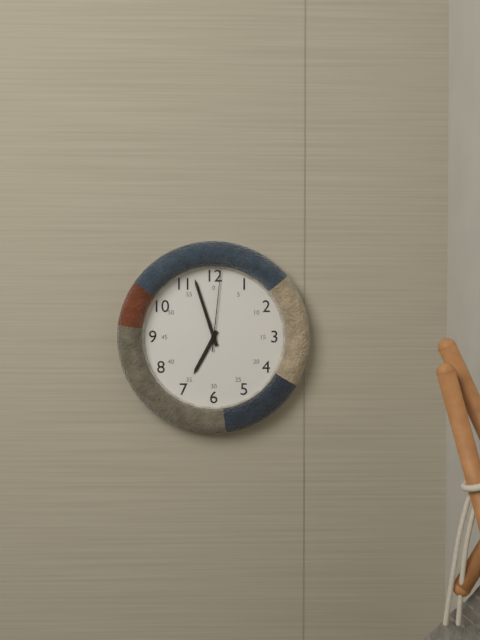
6:57:01
